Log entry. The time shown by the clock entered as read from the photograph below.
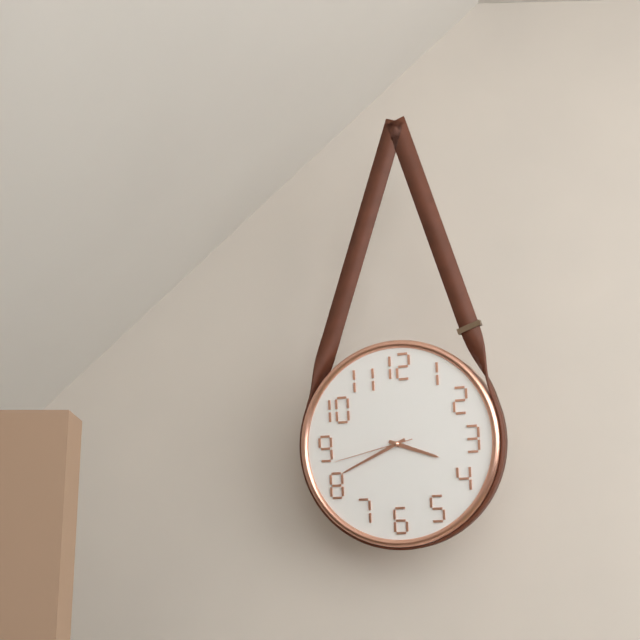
3:41:43
